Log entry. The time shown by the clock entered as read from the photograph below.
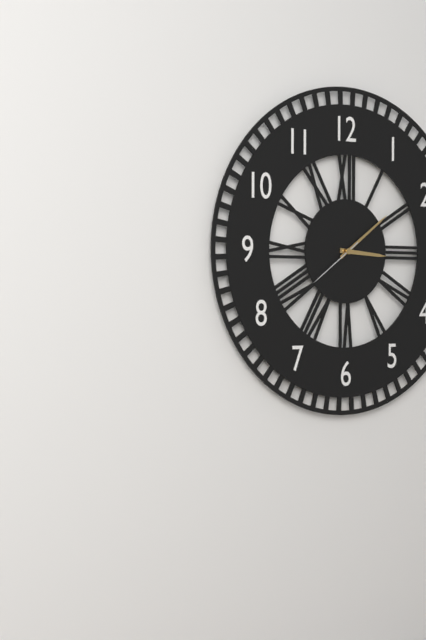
3:09:39
